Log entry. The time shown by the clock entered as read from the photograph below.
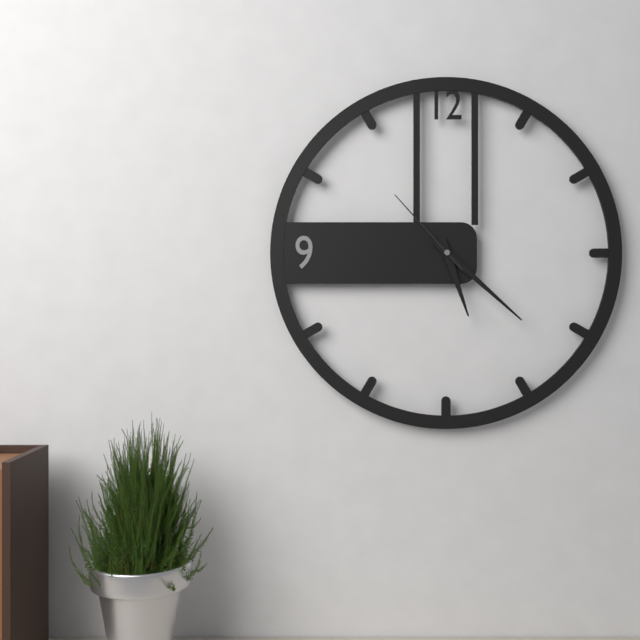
5:22:53
